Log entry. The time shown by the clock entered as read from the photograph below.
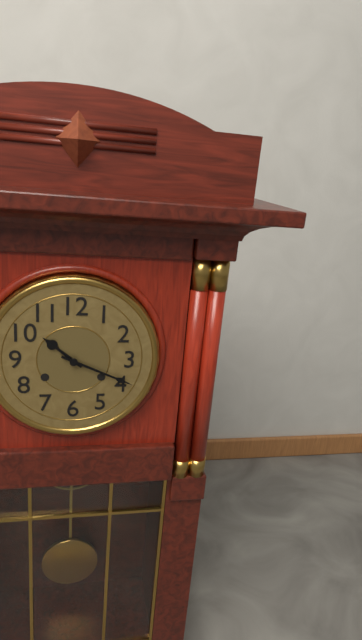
10:19
